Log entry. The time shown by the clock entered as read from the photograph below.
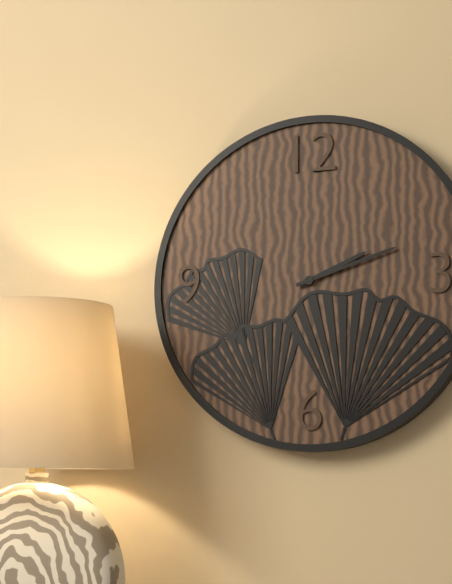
2:12
